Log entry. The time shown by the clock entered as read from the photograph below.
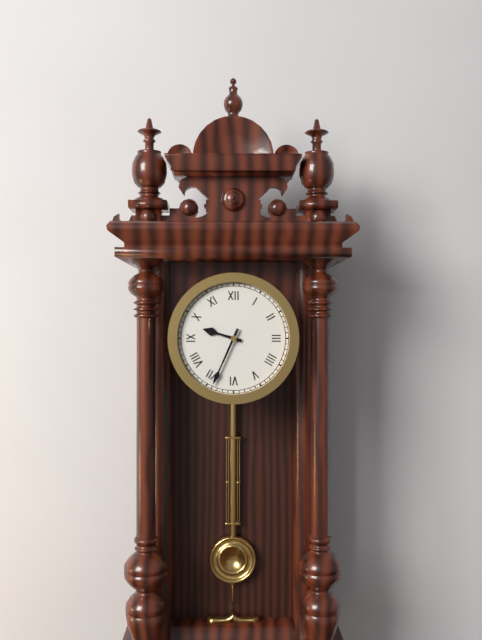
9:34
